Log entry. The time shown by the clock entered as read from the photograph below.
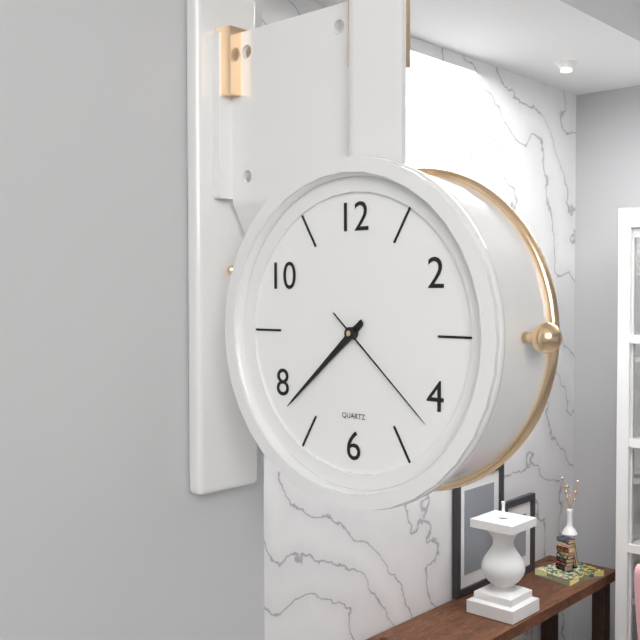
7:38:22
